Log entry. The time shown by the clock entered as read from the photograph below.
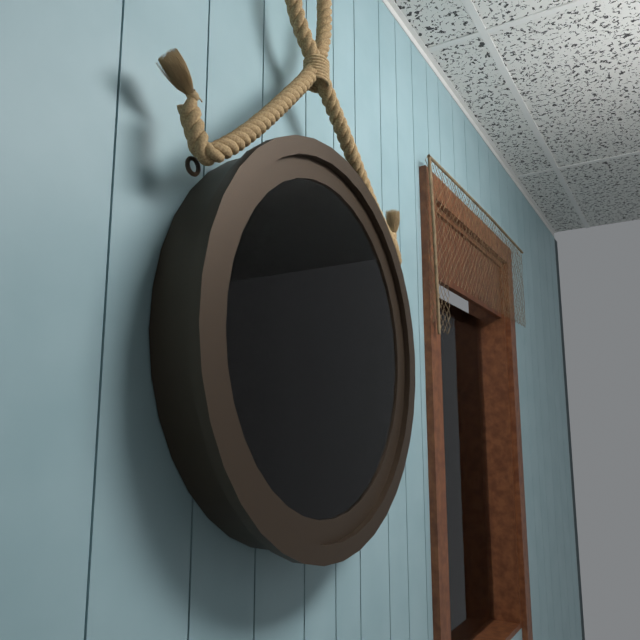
10:49
